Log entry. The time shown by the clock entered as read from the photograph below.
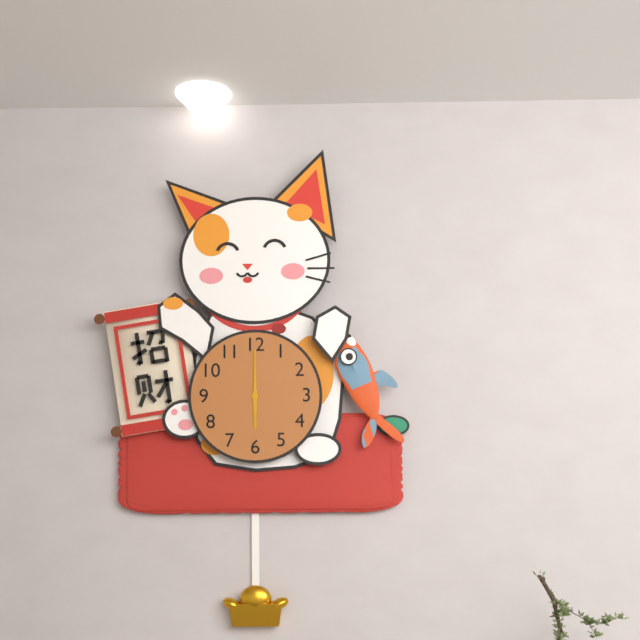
6:00
